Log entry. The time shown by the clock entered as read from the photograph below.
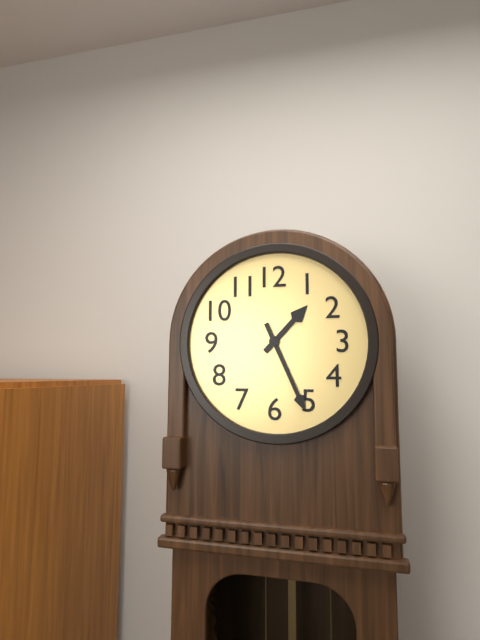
1:26
